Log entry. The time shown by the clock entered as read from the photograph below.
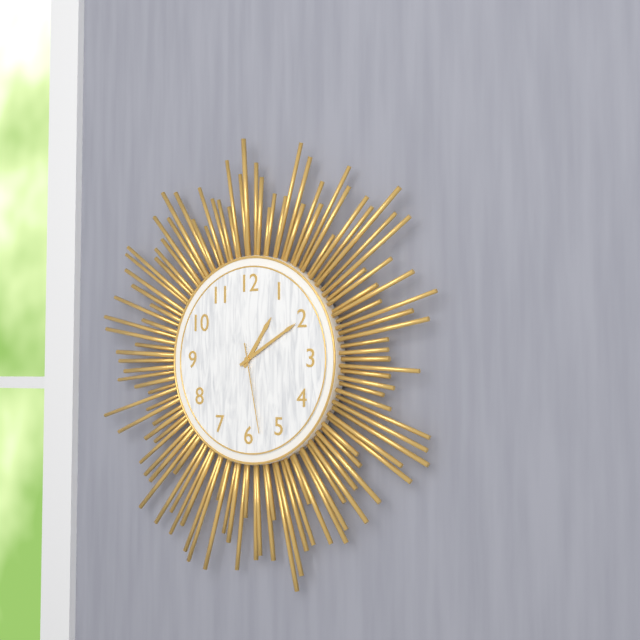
1:10:28
